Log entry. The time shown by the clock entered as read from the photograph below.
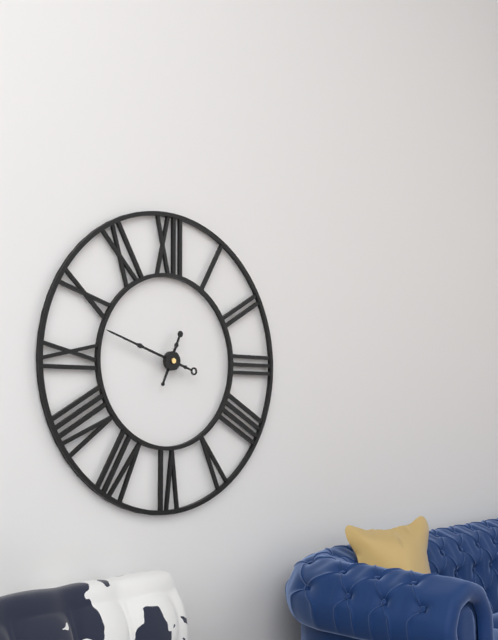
12:48
